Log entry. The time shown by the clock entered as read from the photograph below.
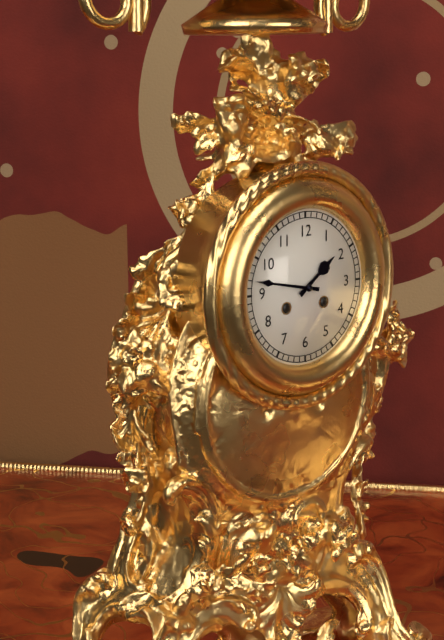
1:47
